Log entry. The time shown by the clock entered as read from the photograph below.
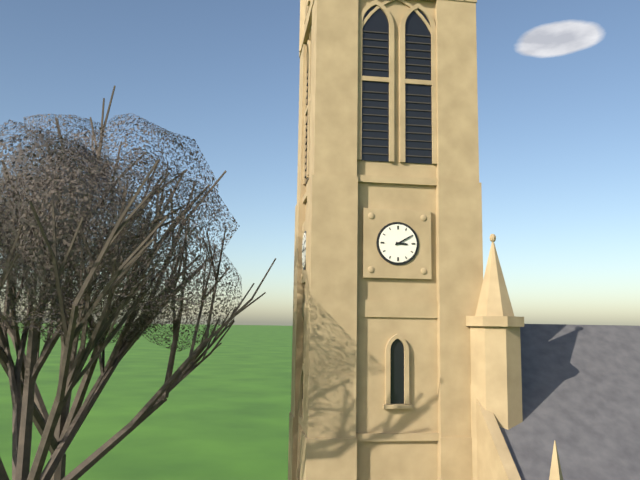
3:10
